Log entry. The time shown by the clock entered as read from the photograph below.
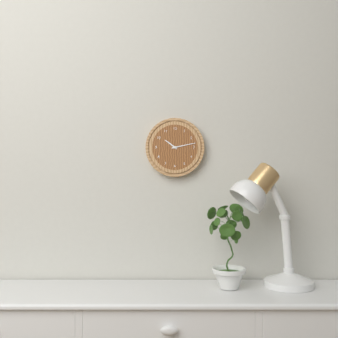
10:13
